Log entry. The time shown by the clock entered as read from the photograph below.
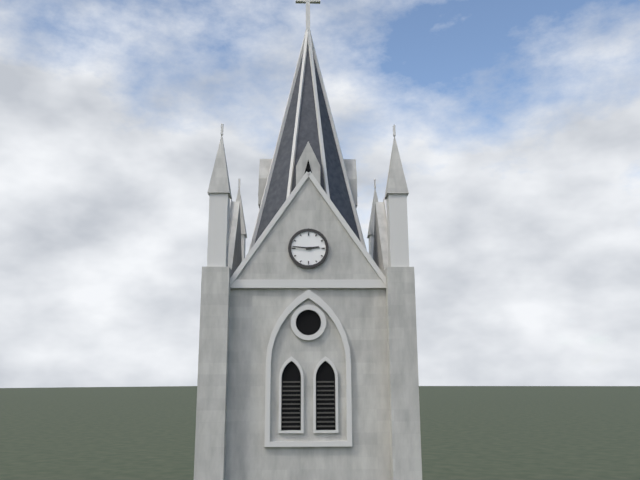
2:46
